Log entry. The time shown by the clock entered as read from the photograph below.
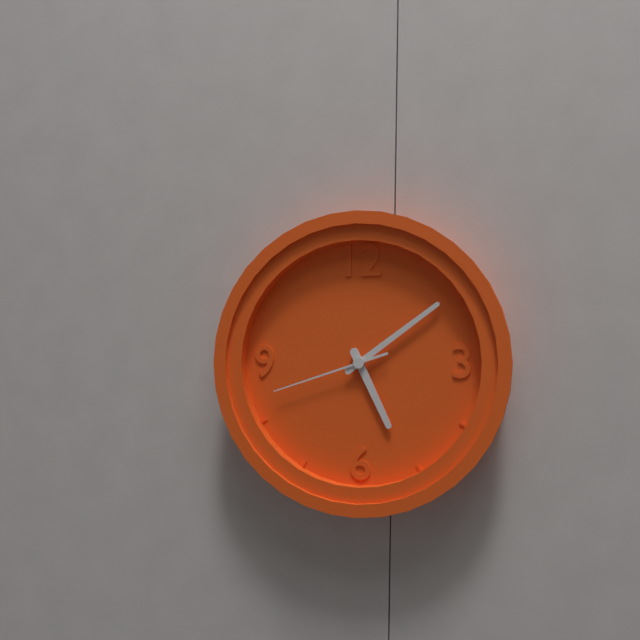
5:09:42
